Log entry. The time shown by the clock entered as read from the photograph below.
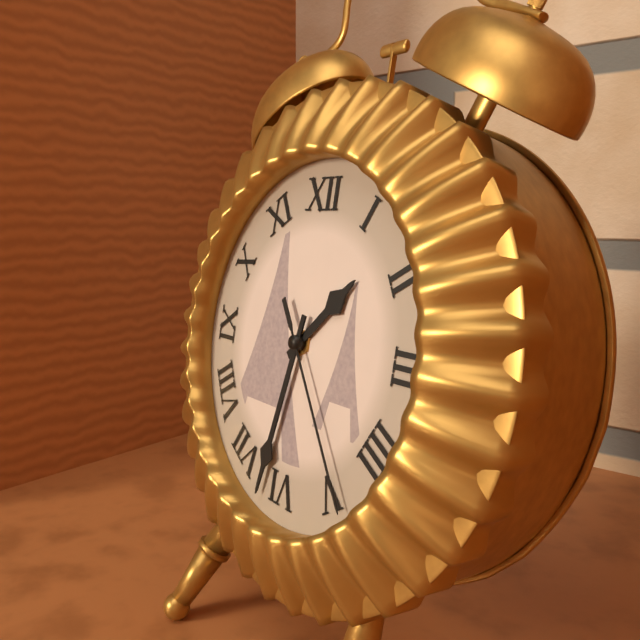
1:32:24
